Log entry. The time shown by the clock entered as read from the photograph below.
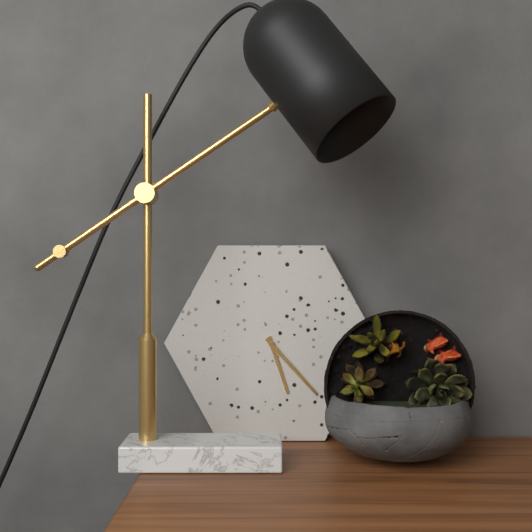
5:23
